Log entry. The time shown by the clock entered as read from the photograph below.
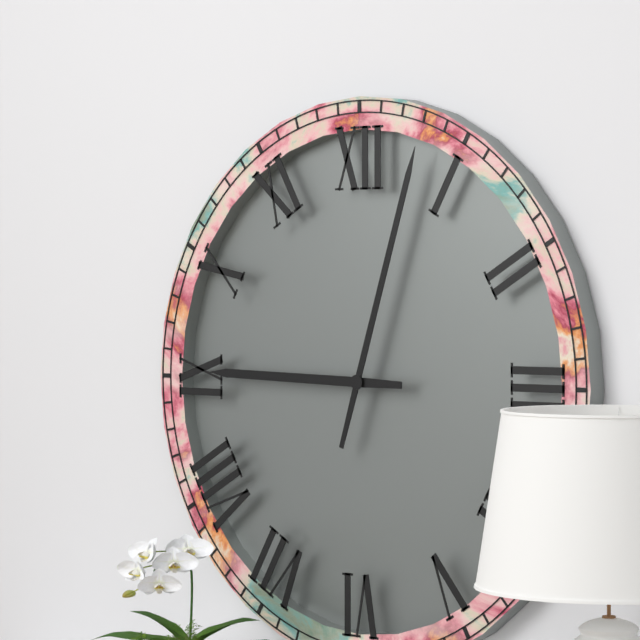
9:03
